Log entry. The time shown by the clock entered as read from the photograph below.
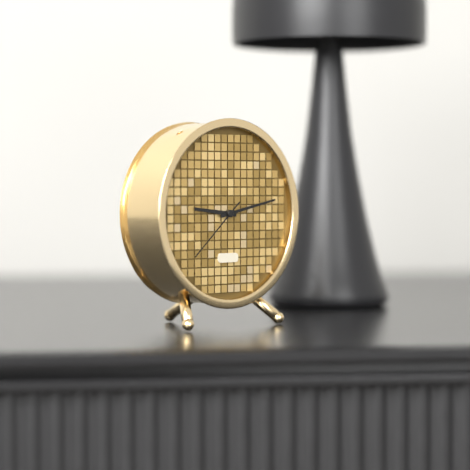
9:13:38
